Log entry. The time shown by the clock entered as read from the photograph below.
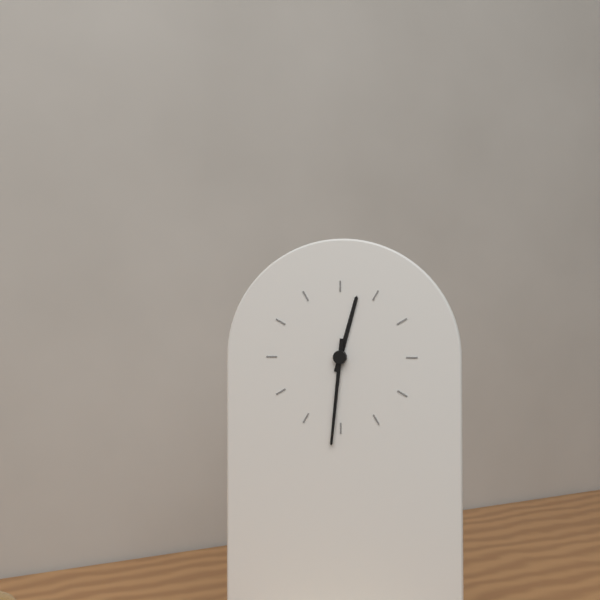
12:31
